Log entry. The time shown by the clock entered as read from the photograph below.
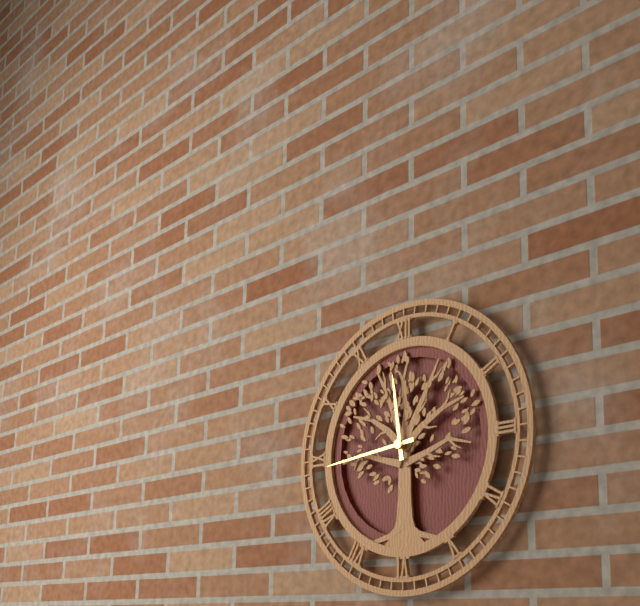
11:44
